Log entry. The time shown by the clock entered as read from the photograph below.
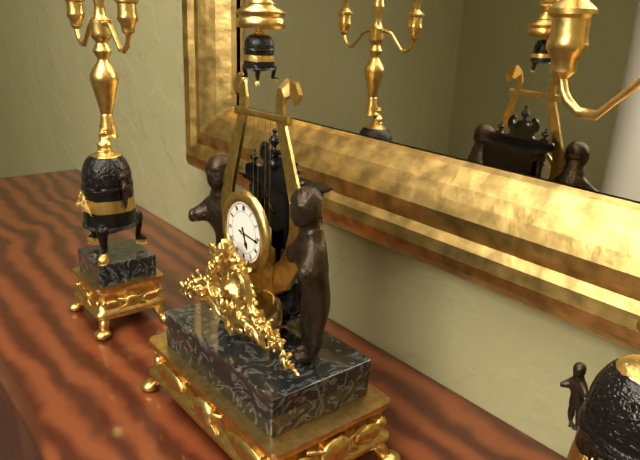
5:16
